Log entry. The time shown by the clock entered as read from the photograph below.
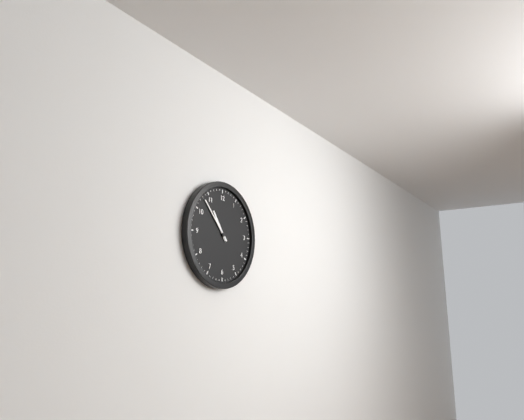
10:53
